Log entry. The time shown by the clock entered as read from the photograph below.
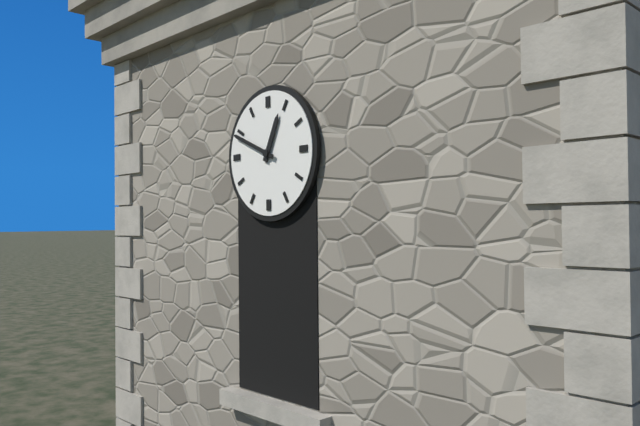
12:49
